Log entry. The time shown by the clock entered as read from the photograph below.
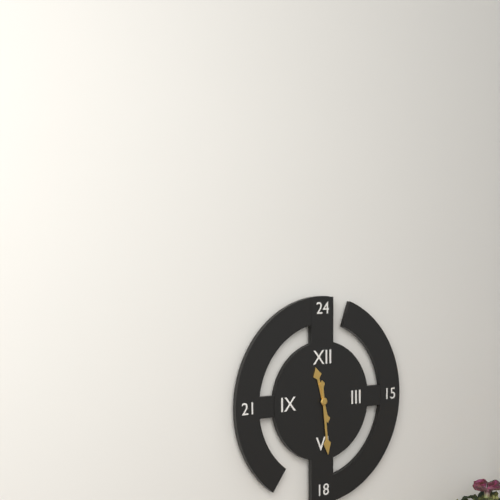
11:29
